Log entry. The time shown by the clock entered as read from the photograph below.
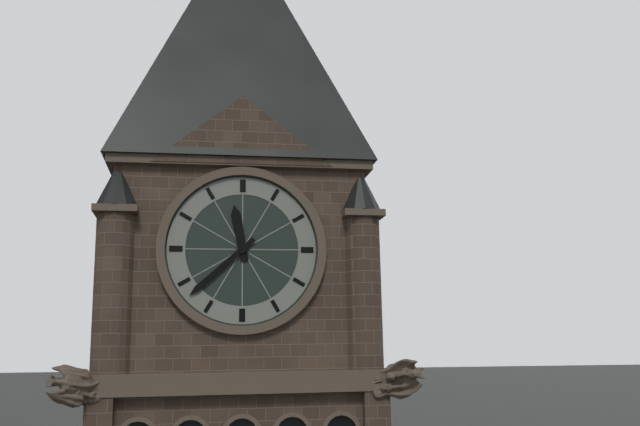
11:38
